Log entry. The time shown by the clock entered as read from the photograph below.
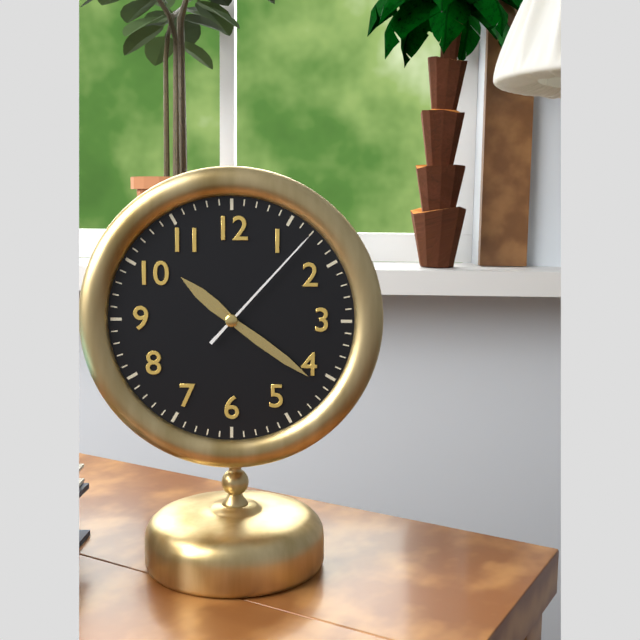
10:21:07
